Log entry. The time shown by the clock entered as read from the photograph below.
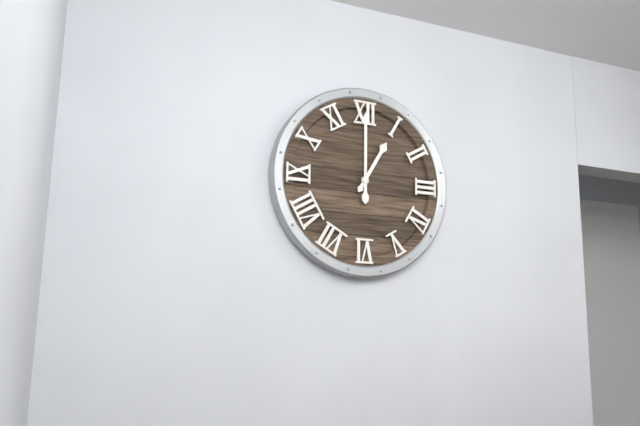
1:00
